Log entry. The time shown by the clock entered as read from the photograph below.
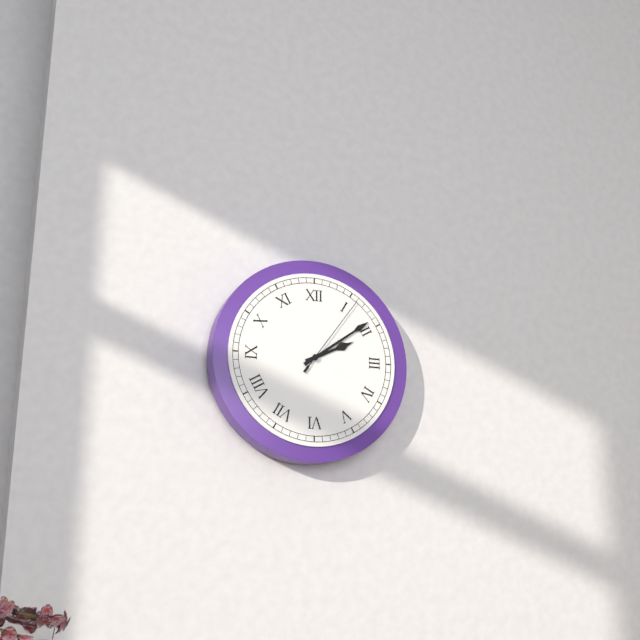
2:09:06
